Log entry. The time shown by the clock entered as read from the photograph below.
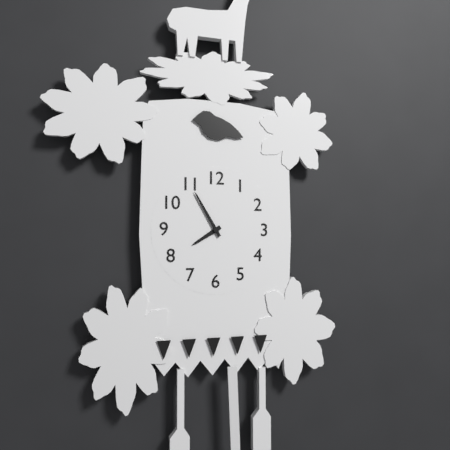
7:55
